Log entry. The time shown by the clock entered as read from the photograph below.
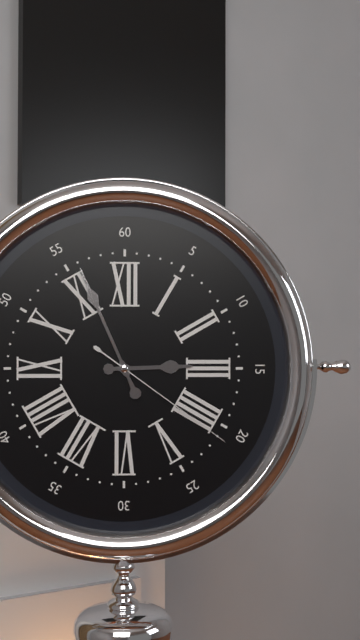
2:56:21
